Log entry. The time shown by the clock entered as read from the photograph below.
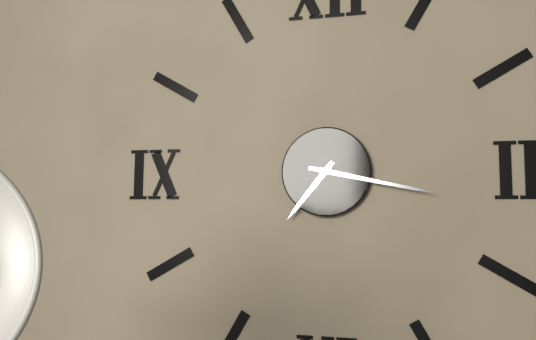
7:17
